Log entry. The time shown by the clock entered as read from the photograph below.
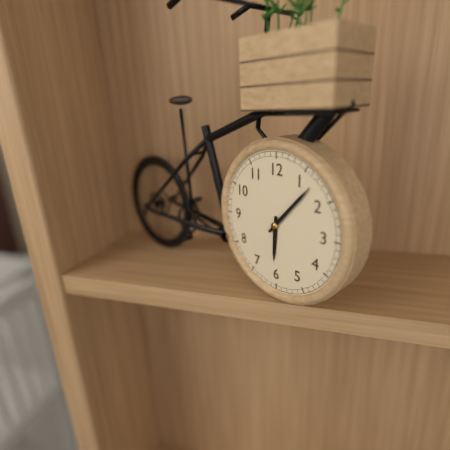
6:07
